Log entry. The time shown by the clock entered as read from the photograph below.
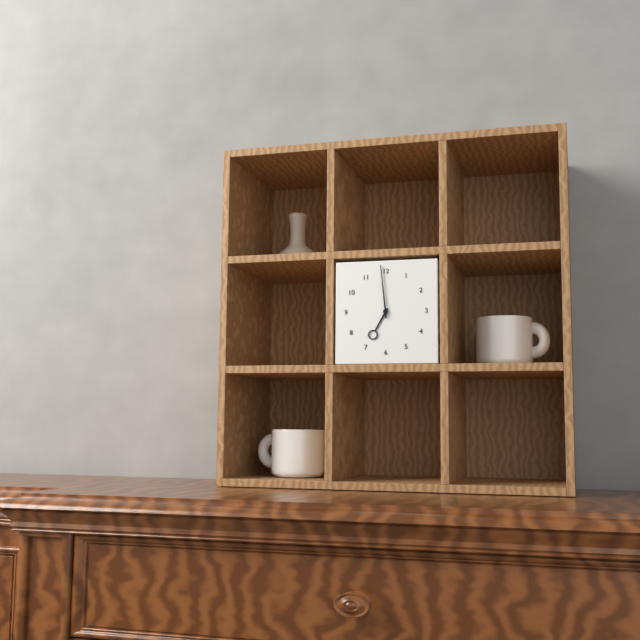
6:59
